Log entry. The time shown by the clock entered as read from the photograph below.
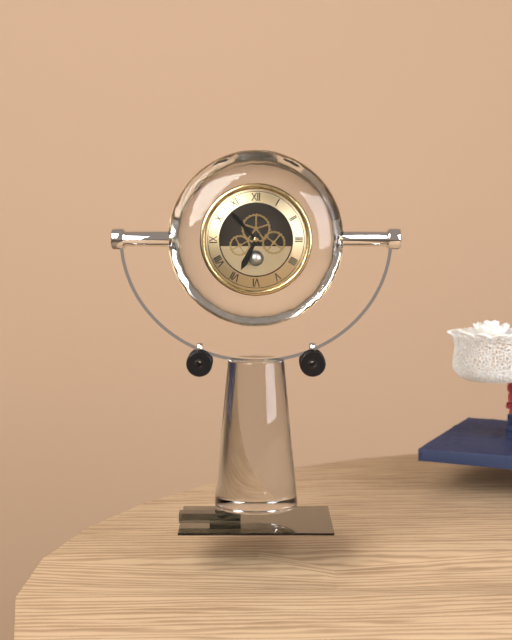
6:53
